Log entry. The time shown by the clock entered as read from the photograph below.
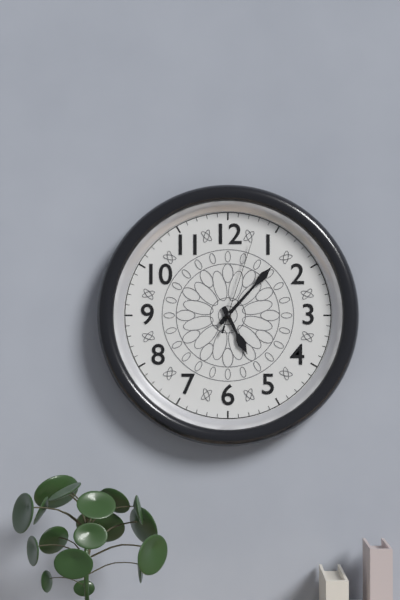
5:07:03
